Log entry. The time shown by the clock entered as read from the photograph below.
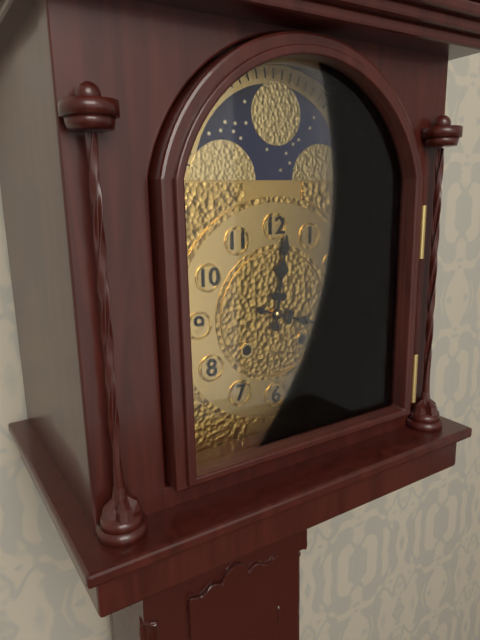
12:18
